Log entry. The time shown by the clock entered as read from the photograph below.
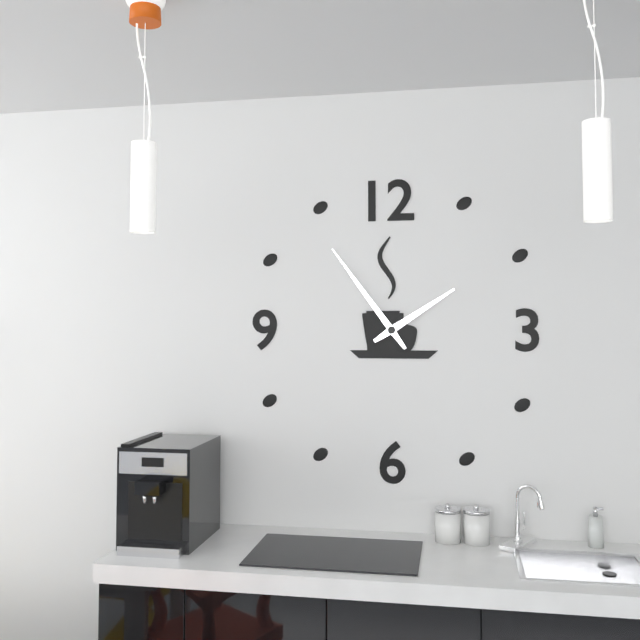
1:54
